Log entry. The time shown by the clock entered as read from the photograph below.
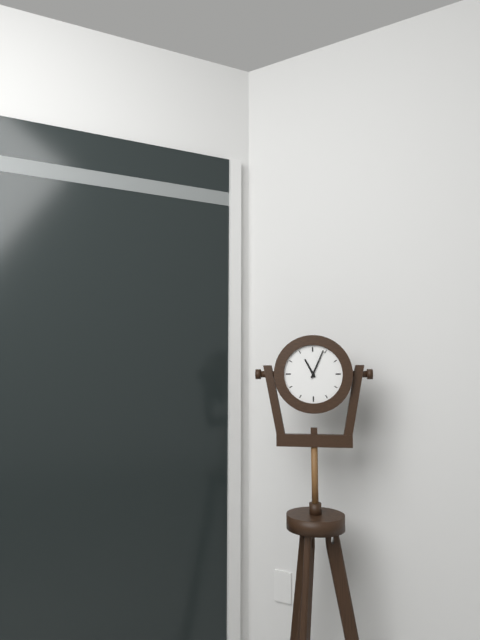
11:04
